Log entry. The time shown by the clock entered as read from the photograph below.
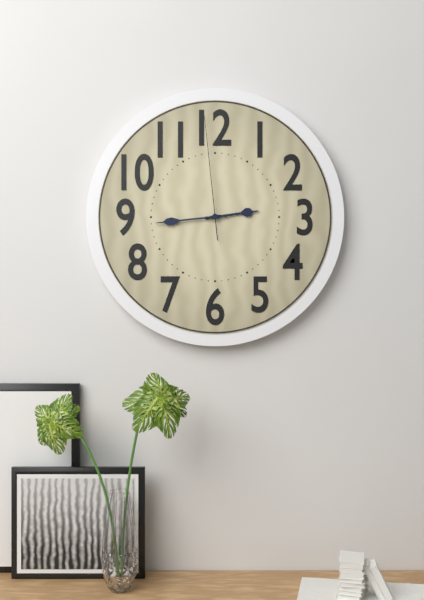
2:44:59
